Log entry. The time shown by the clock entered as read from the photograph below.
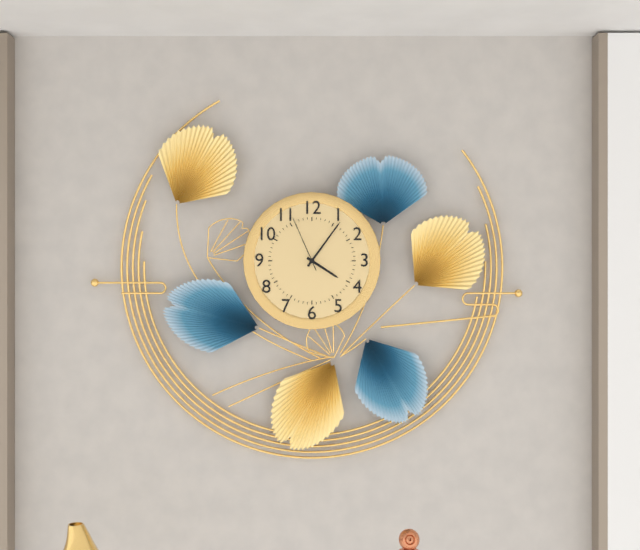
4:06:56
